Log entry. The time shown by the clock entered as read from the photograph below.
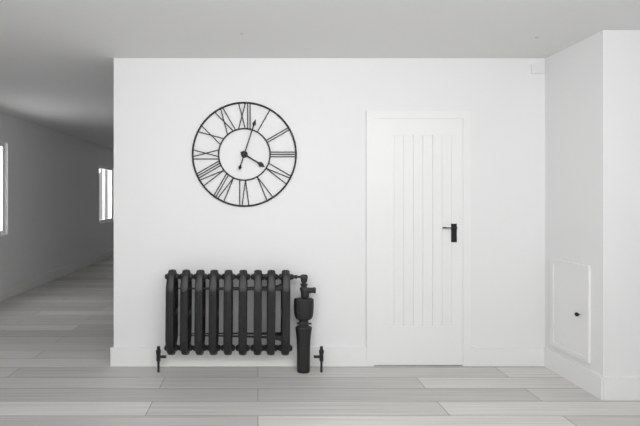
4:03
